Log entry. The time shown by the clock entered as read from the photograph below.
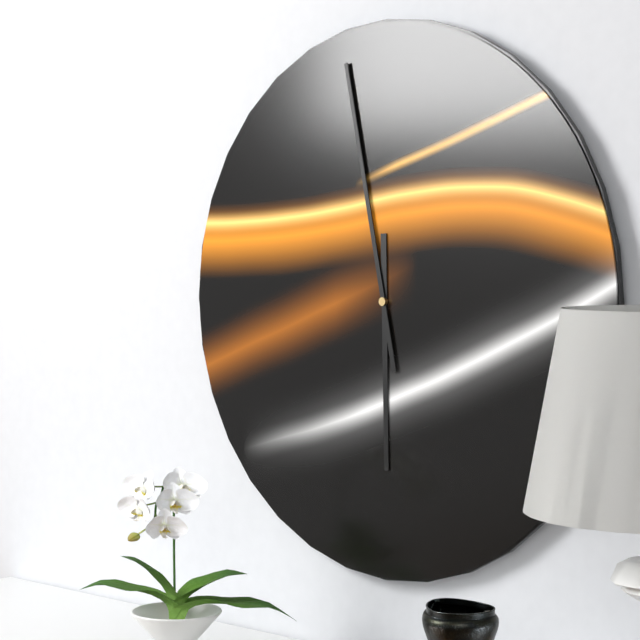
5:58
